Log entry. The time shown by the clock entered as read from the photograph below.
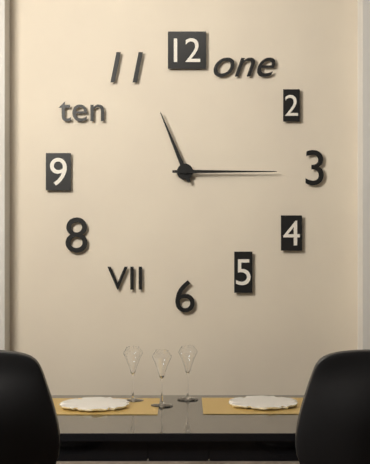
11:15
